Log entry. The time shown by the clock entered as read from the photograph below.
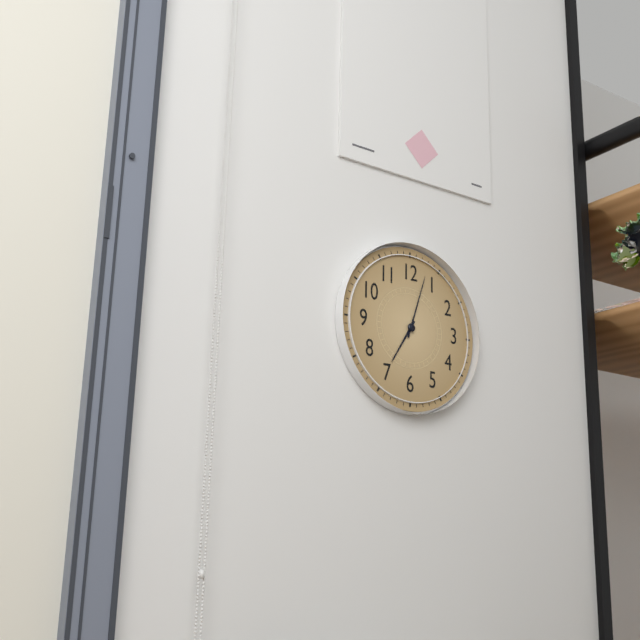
7:03
